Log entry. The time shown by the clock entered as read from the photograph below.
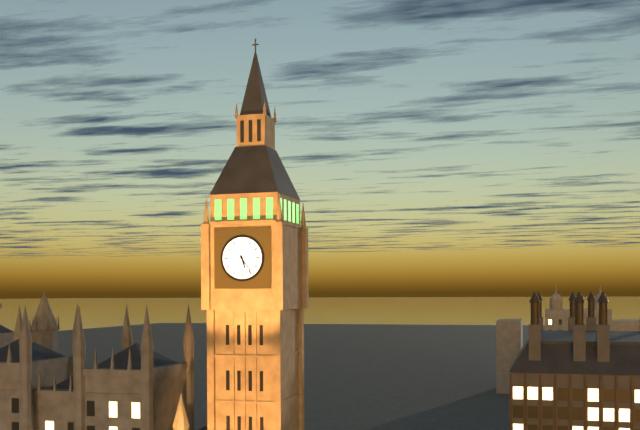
5:24
